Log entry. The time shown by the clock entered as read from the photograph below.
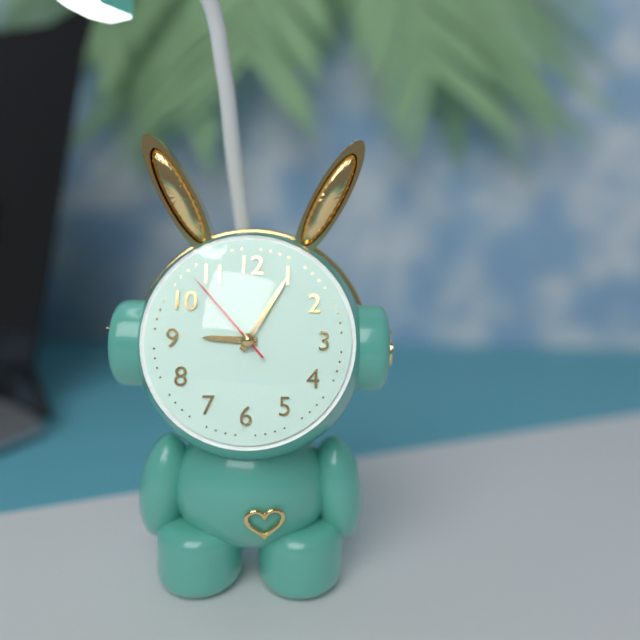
9:05:53
